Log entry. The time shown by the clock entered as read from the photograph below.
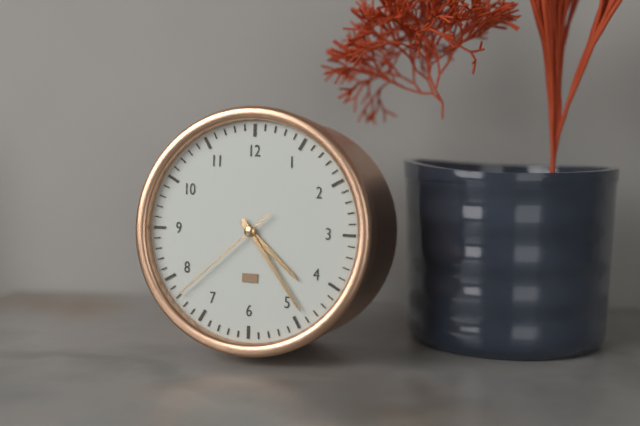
4:24:38
